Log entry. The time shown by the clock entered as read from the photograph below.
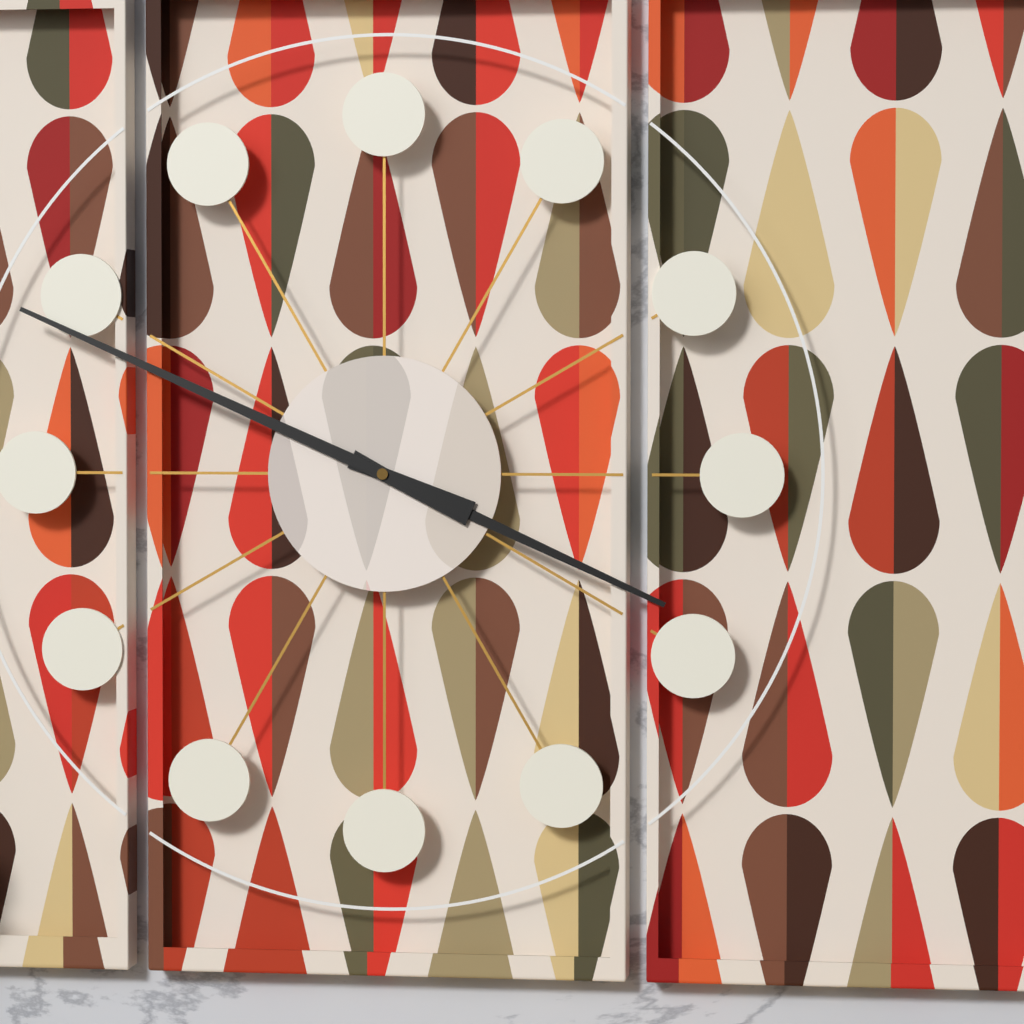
3:49
